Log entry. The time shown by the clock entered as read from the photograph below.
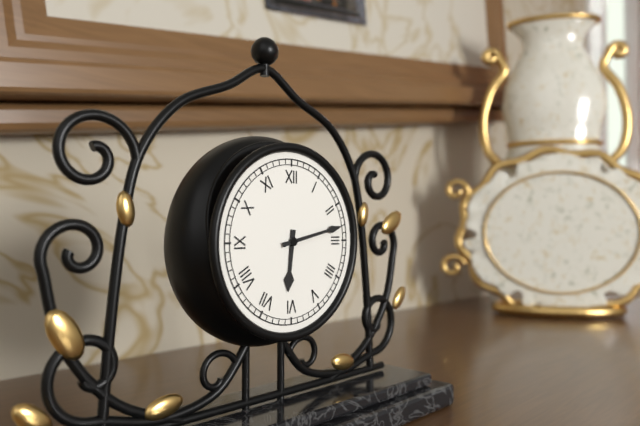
6:13
